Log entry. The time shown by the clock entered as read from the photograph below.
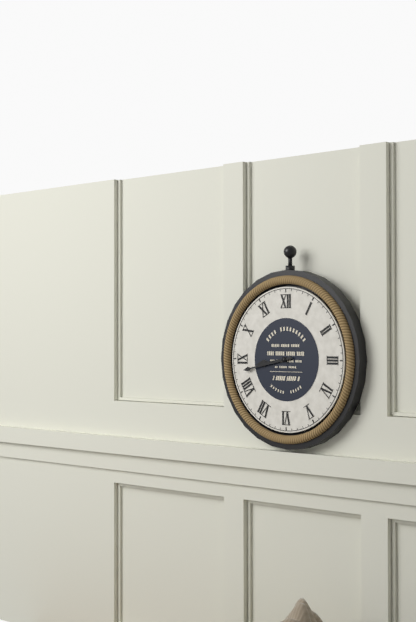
8:43
